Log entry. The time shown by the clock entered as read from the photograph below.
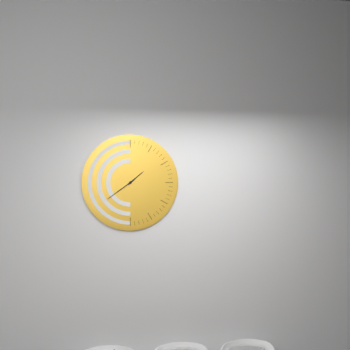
1:39
